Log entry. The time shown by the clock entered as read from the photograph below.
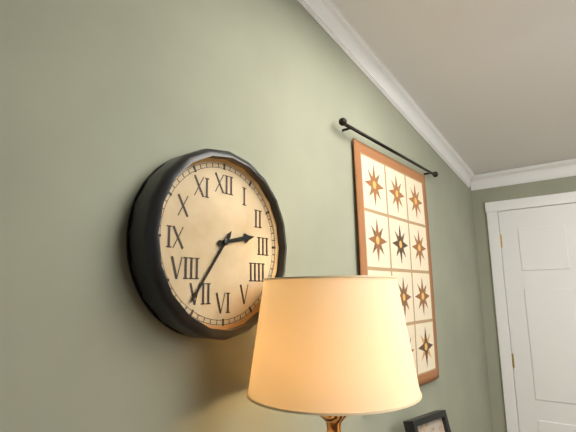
2:36
